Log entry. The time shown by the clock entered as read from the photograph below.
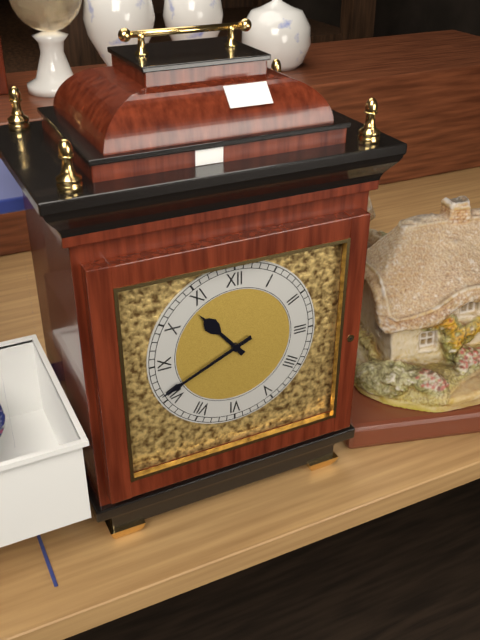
10:41
